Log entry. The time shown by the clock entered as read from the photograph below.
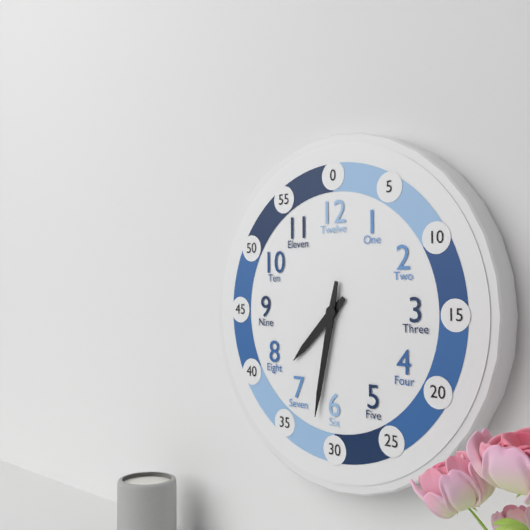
7:32
